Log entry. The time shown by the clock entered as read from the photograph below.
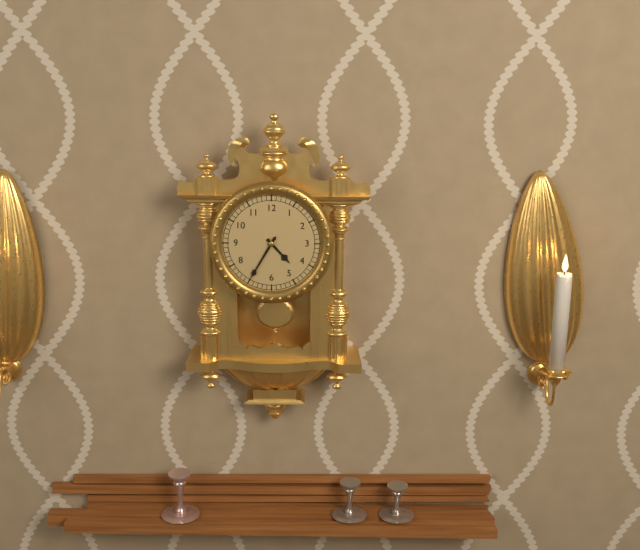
4:35
